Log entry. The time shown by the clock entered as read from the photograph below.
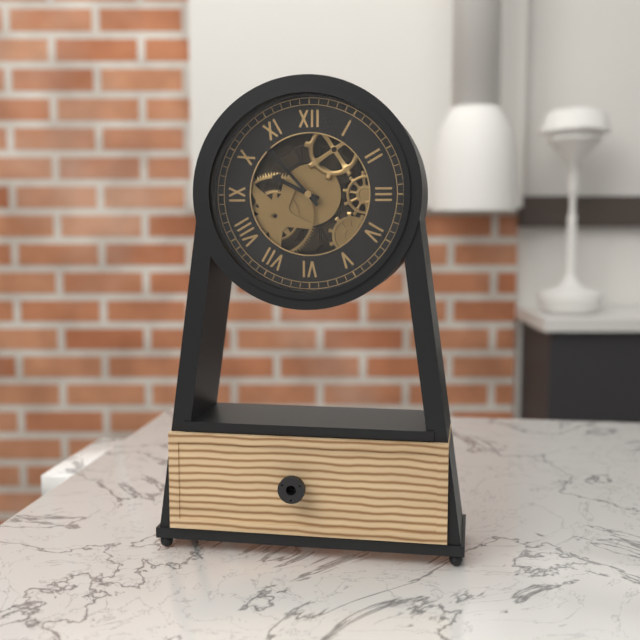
9:53
